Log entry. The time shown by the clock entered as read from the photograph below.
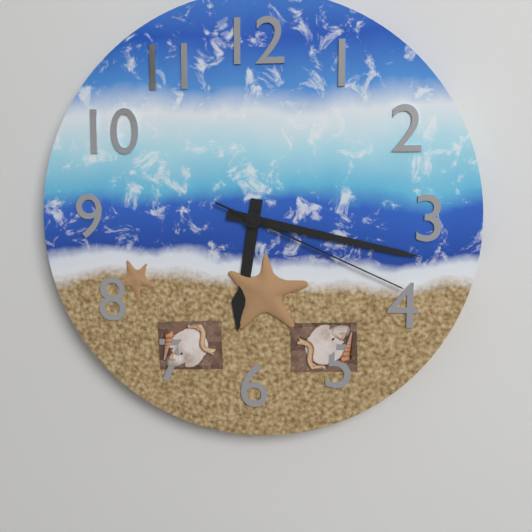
6:17:19
